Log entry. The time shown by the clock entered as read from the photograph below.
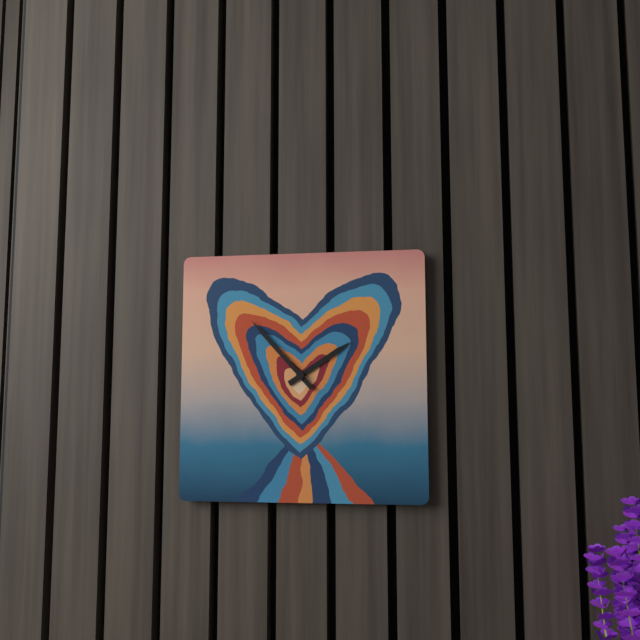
1:53
